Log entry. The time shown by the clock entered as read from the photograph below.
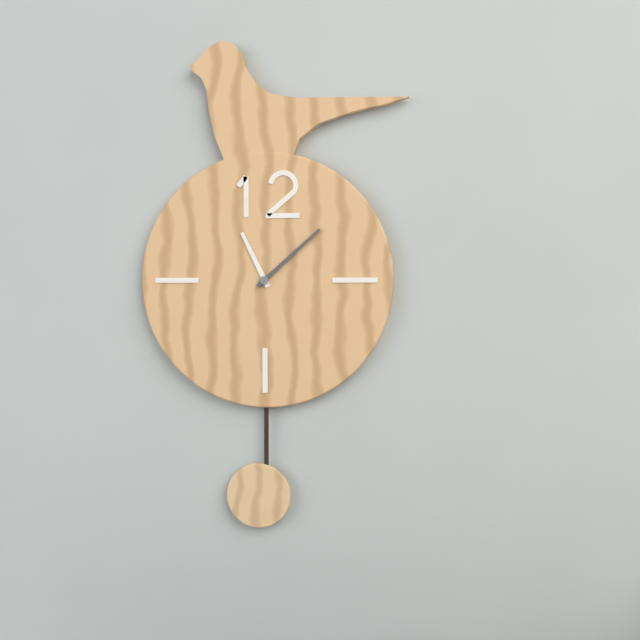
11:08
